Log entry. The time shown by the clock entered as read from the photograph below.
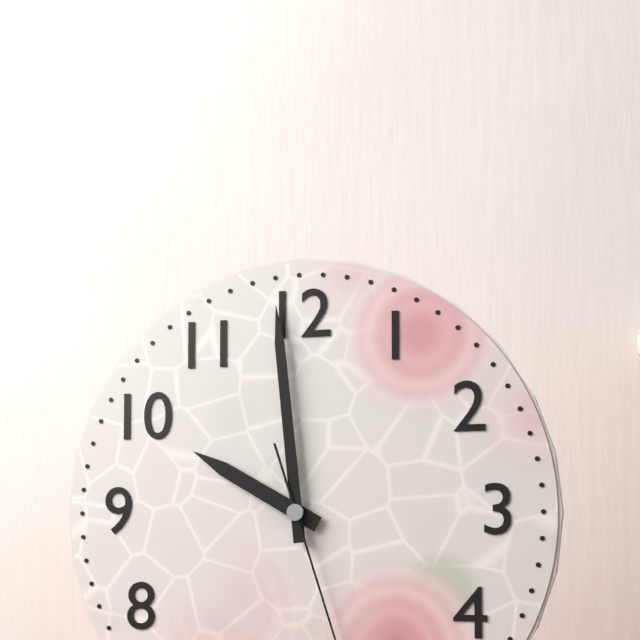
9:59
